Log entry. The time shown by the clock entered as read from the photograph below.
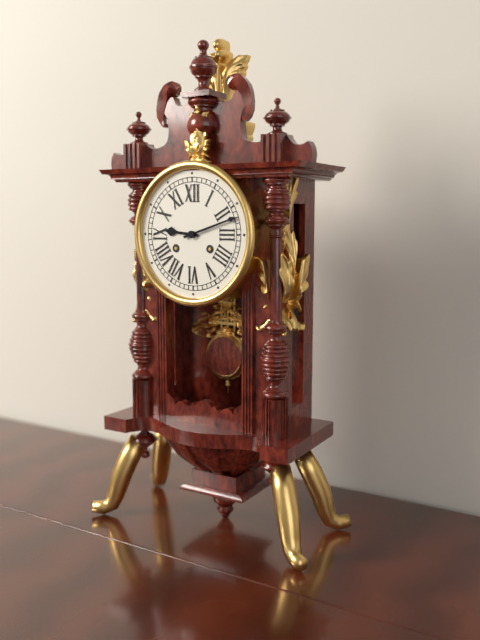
9:12
